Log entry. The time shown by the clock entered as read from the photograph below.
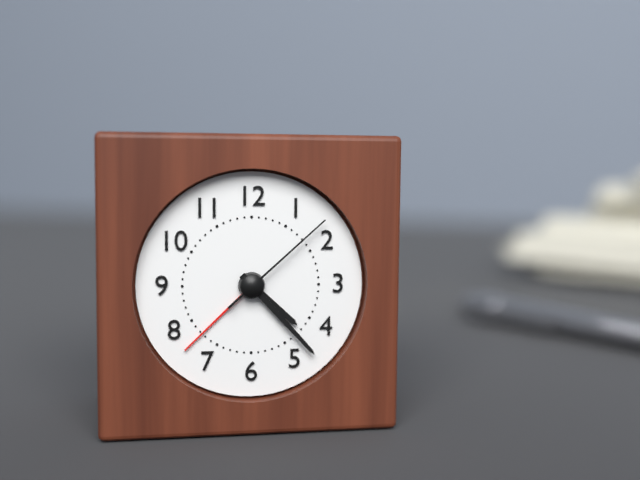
4:23:08
